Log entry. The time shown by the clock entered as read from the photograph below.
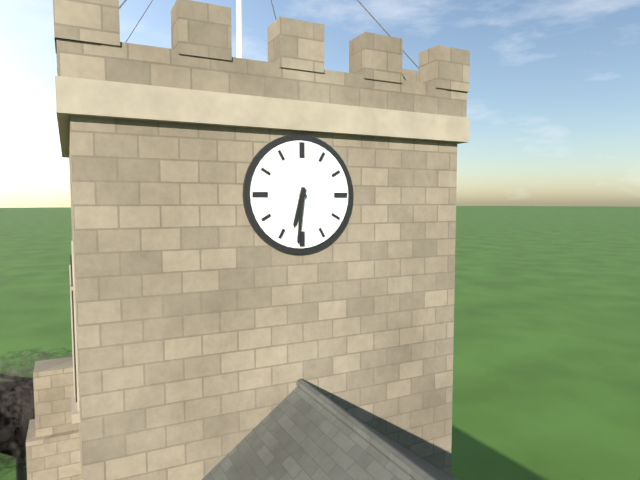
6:31
